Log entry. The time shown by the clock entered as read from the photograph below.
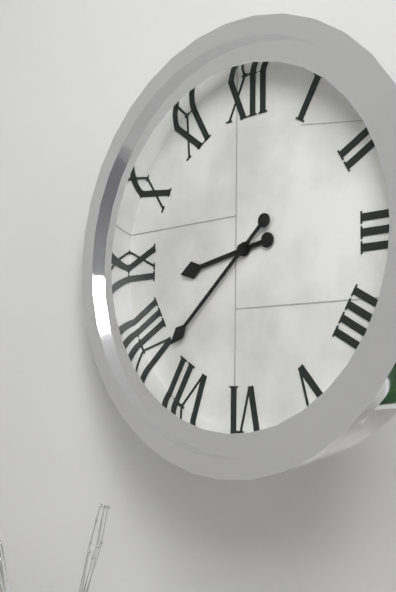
8:38
